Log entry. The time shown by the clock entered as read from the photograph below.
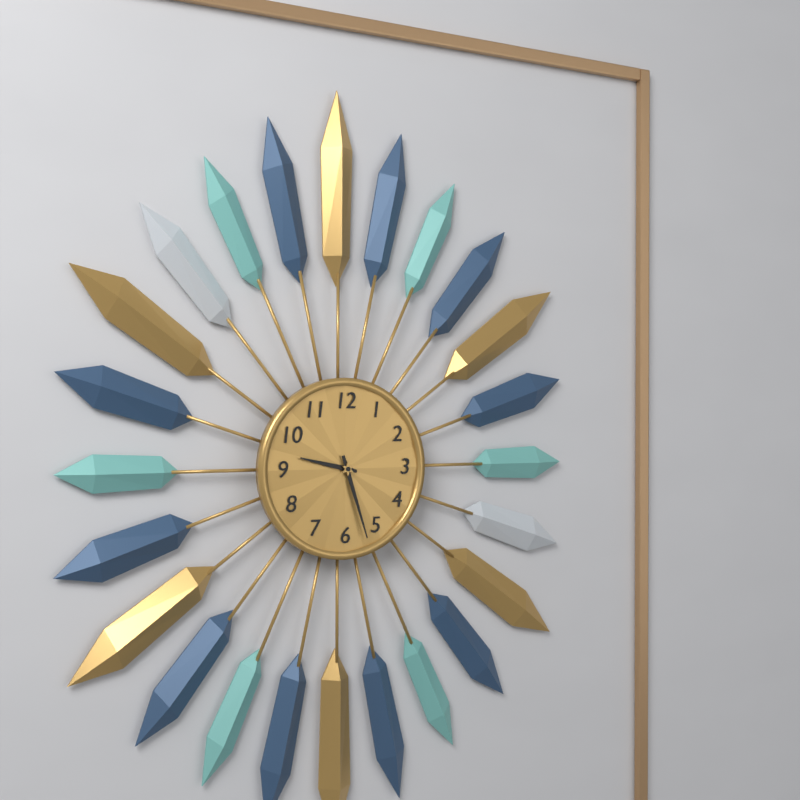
9:27
